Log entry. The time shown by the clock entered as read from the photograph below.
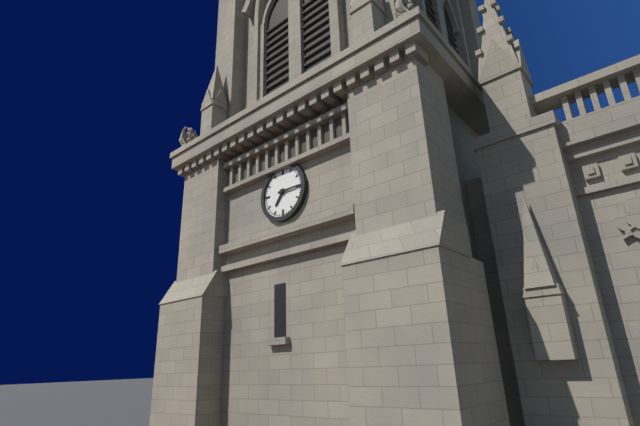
7:15
